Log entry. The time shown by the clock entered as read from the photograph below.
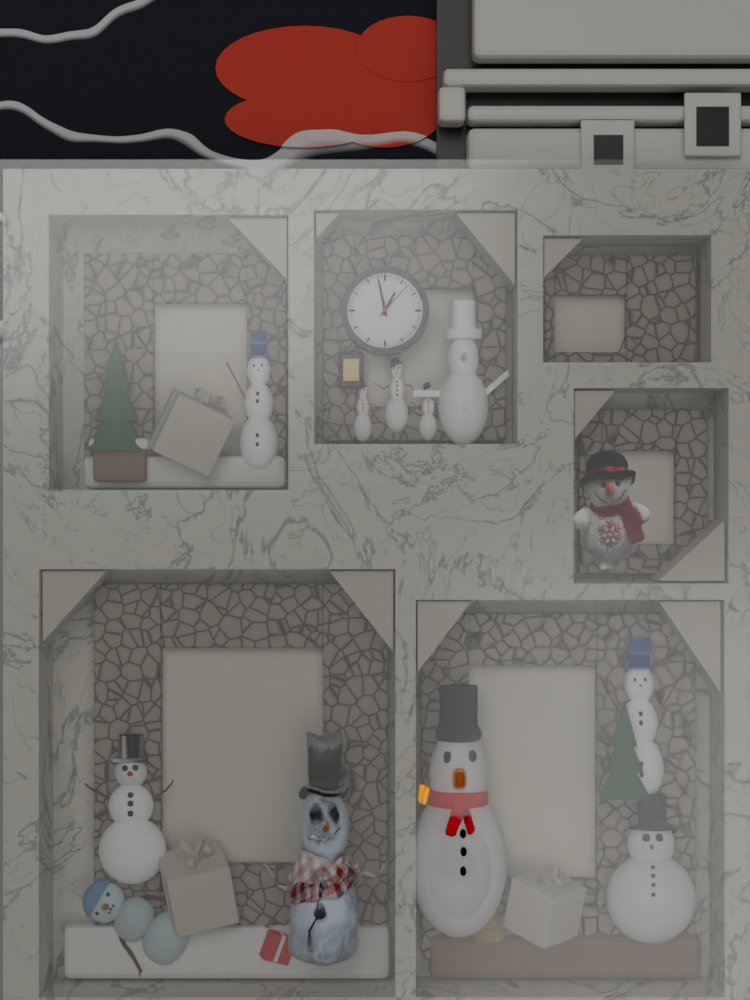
12:58
